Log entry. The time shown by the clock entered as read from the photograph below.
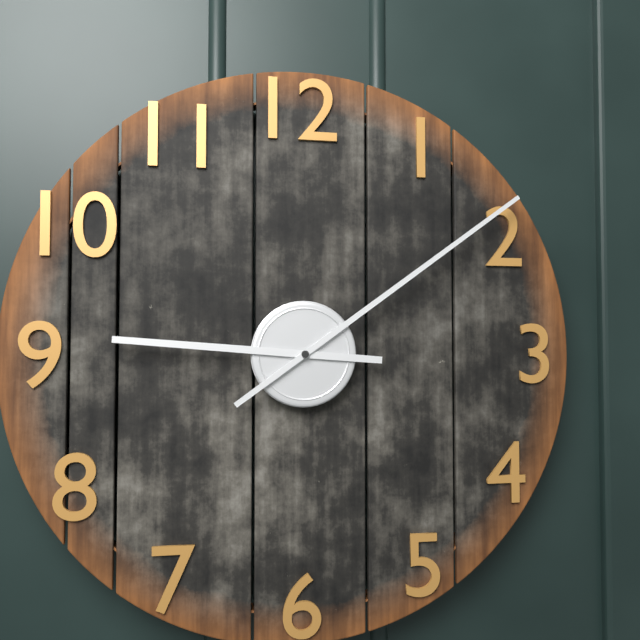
9:09
